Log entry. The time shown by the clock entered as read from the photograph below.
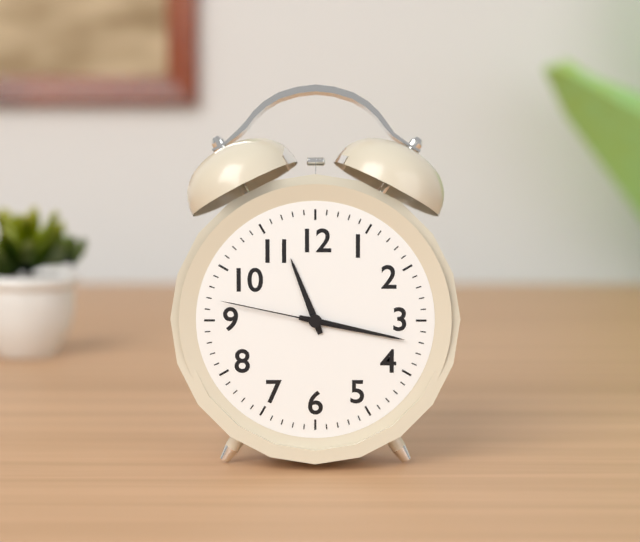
11:17:47
